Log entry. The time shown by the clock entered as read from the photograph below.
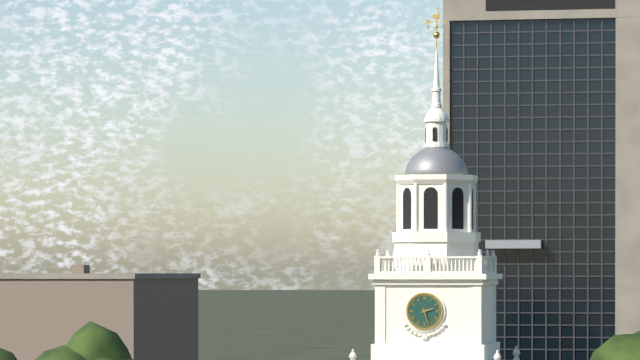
2:27
